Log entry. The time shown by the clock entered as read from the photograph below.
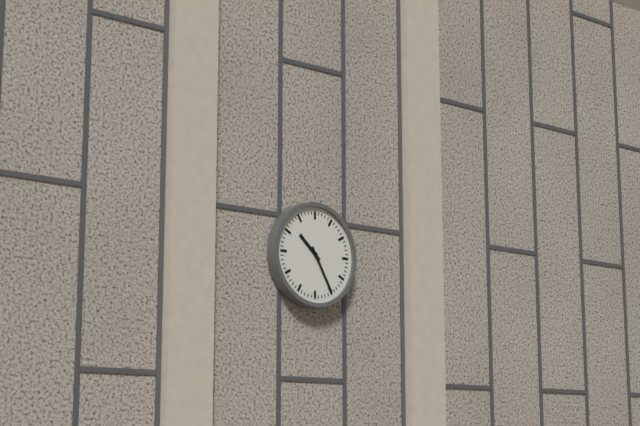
10:25
